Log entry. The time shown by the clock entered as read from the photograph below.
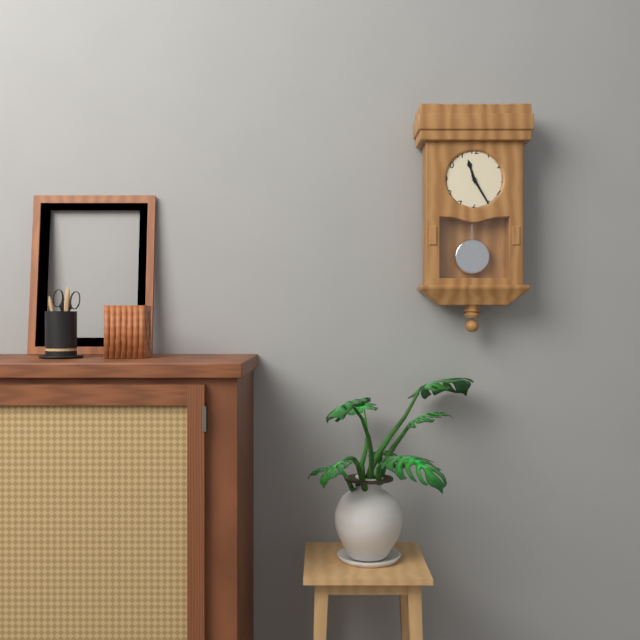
11:25
